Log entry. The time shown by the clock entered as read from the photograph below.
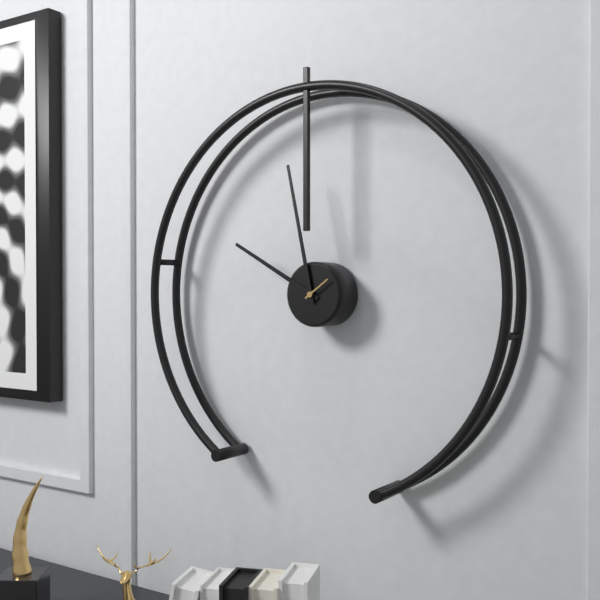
9:58
